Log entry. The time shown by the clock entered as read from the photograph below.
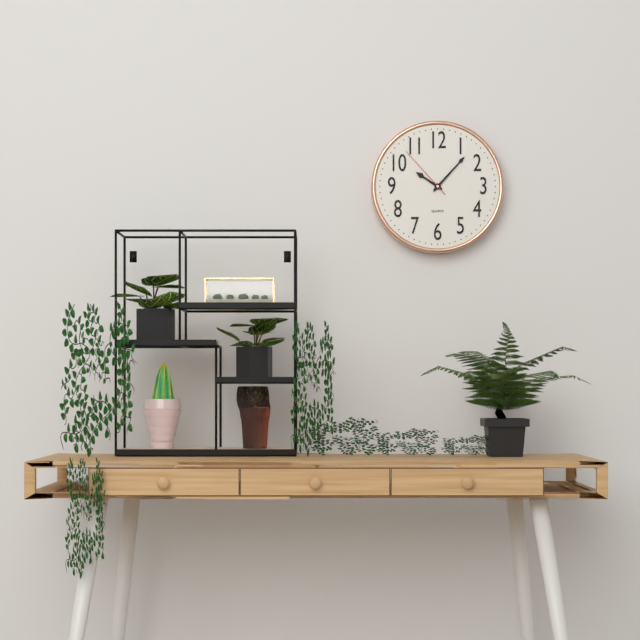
10:07:53
